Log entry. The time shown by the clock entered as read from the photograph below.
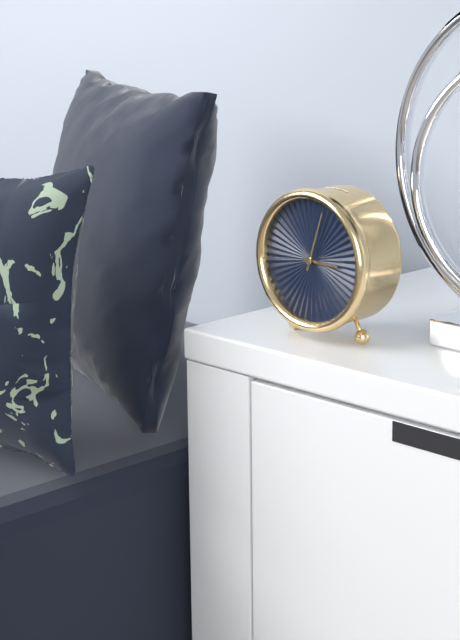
3:03
